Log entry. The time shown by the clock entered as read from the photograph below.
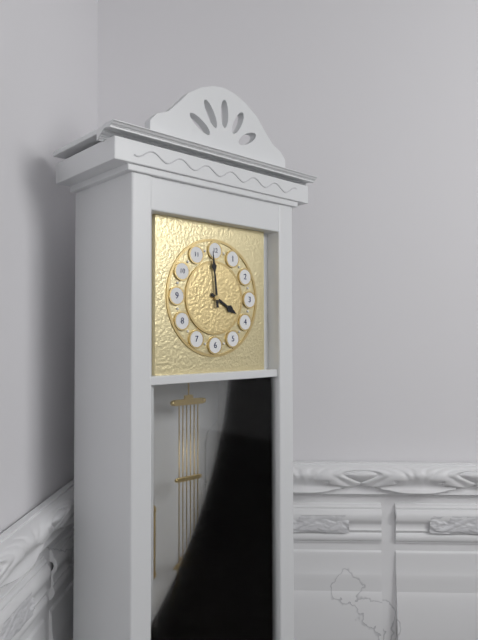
3:59
